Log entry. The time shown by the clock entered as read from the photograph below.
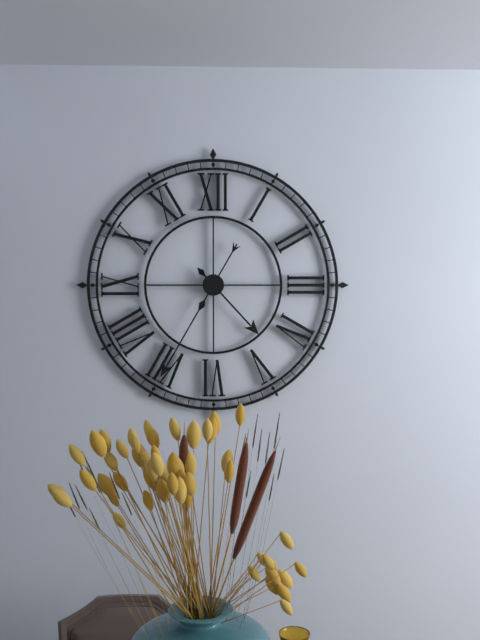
4:35
